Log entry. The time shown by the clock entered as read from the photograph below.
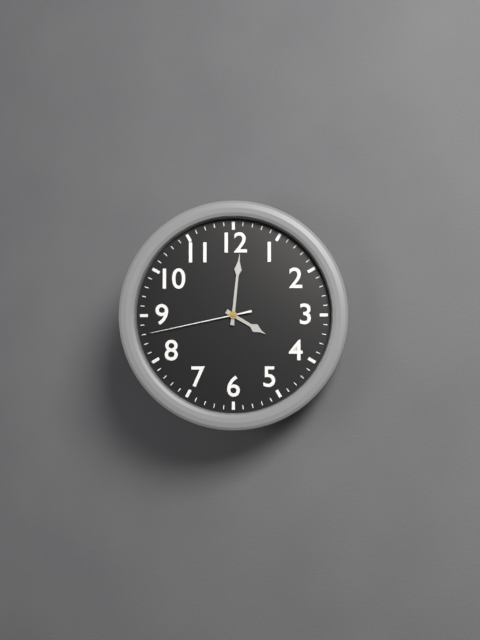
4:01:43
